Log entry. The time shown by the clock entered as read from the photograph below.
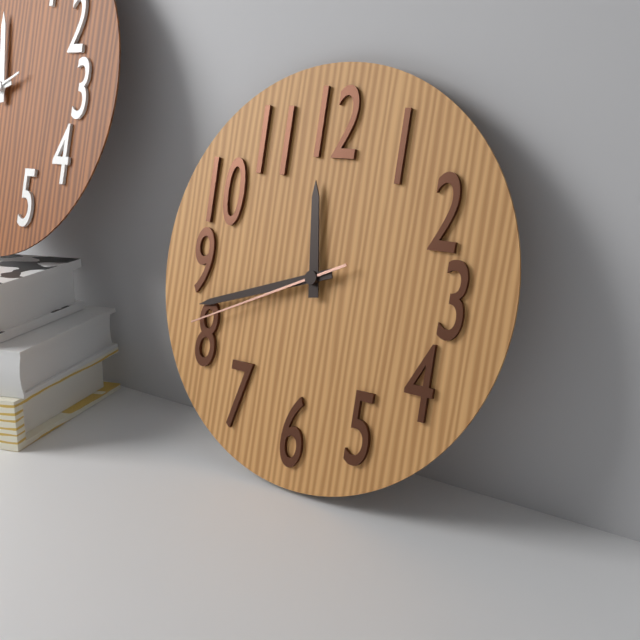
11:42:41
